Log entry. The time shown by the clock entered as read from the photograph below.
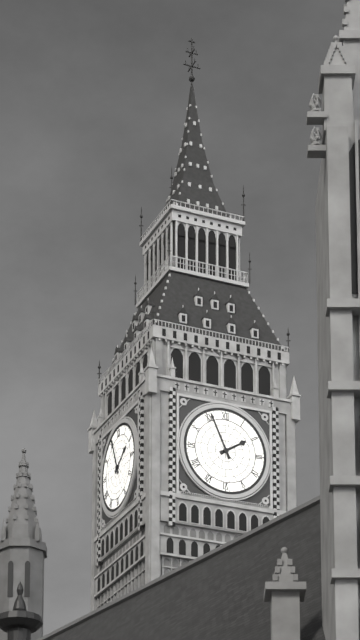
1:56
